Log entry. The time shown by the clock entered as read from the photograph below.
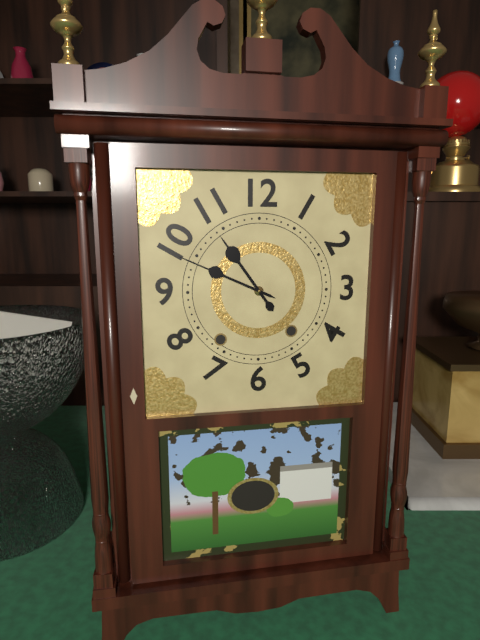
10:49
